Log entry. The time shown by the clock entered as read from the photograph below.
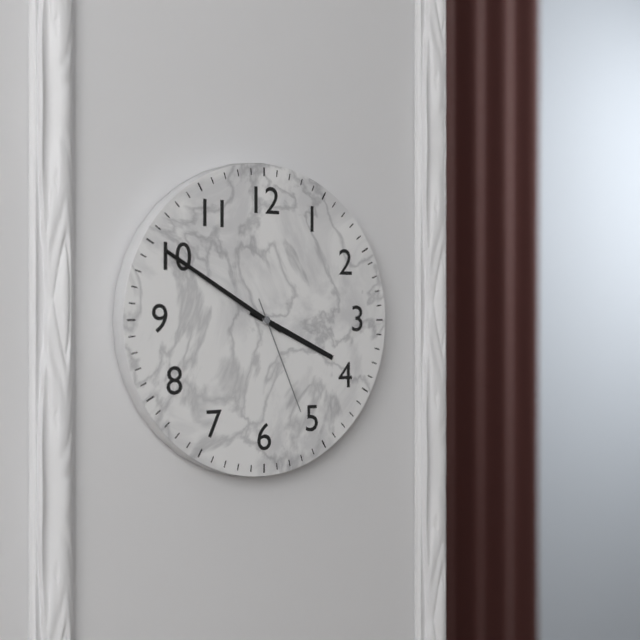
3:50:26
